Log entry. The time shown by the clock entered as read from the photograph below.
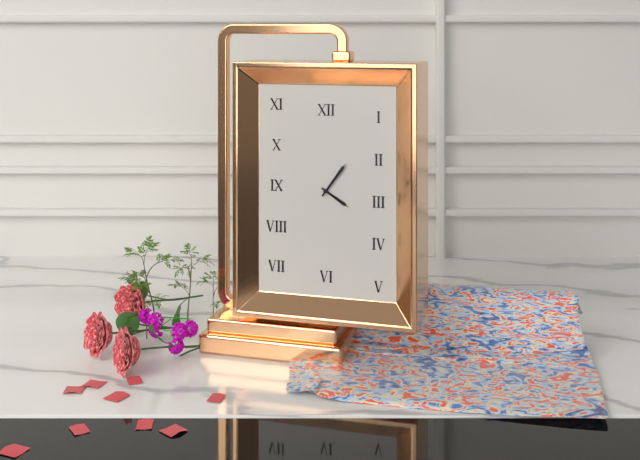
4:06
